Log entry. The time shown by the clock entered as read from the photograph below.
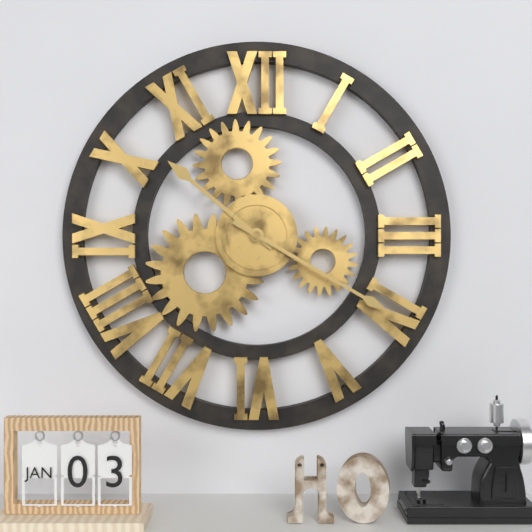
10:20
